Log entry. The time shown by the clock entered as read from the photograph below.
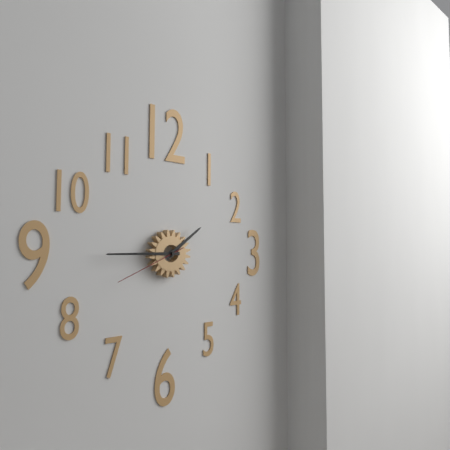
1:45:41
